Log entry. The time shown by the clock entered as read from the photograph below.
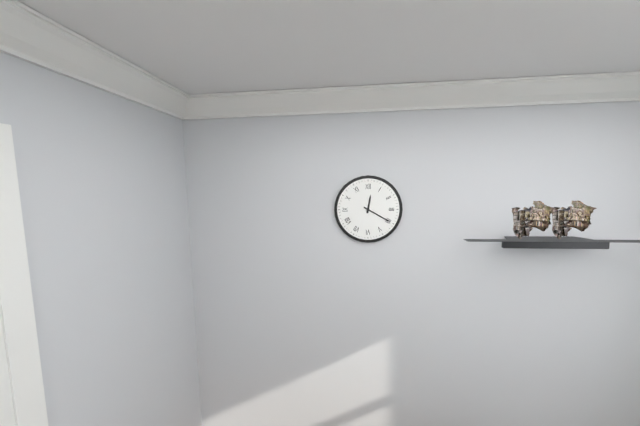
12:20
